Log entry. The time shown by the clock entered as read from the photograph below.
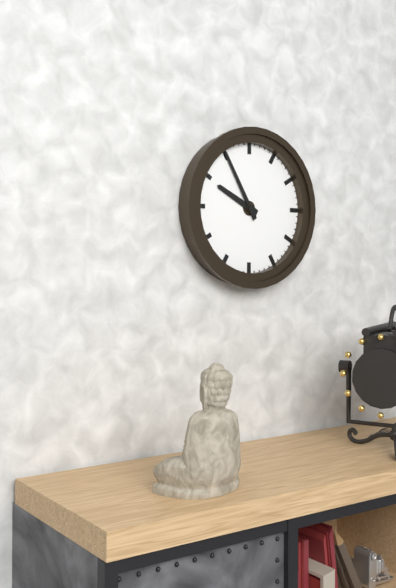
9:55
